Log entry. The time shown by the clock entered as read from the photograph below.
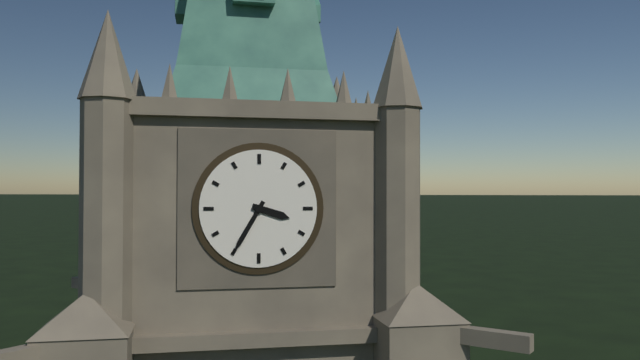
3:35
